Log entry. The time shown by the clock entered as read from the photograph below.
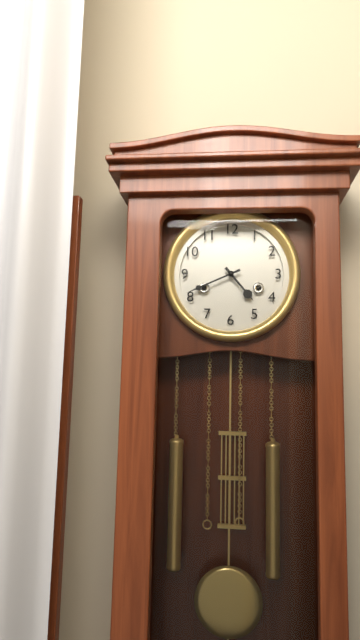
4:41
